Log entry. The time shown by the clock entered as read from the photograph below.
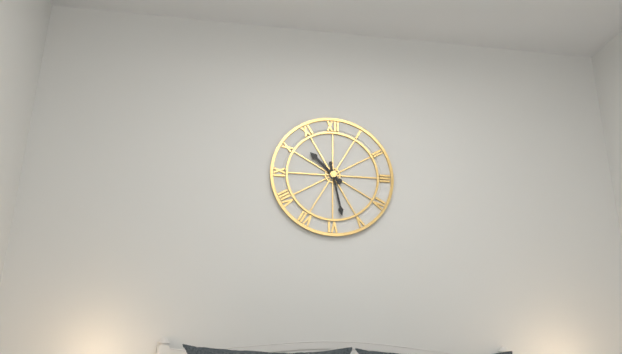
10:28
